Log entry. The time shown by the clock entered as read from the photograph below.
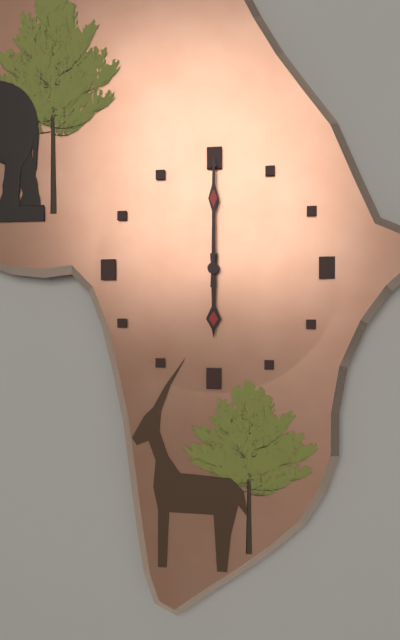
6:00
